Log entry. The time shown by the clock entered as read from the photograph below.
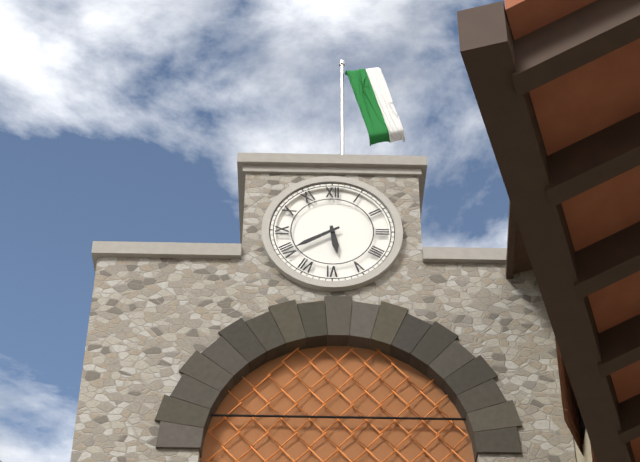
5:40
